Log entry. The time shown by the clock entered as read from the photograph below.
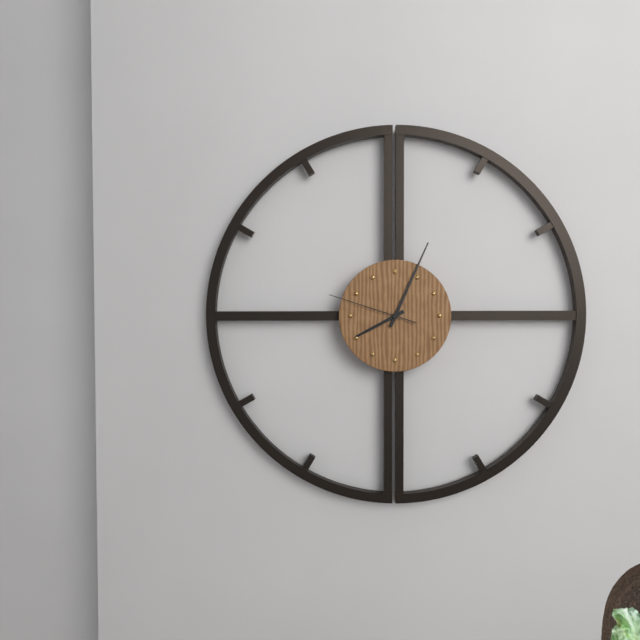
8:04:48
